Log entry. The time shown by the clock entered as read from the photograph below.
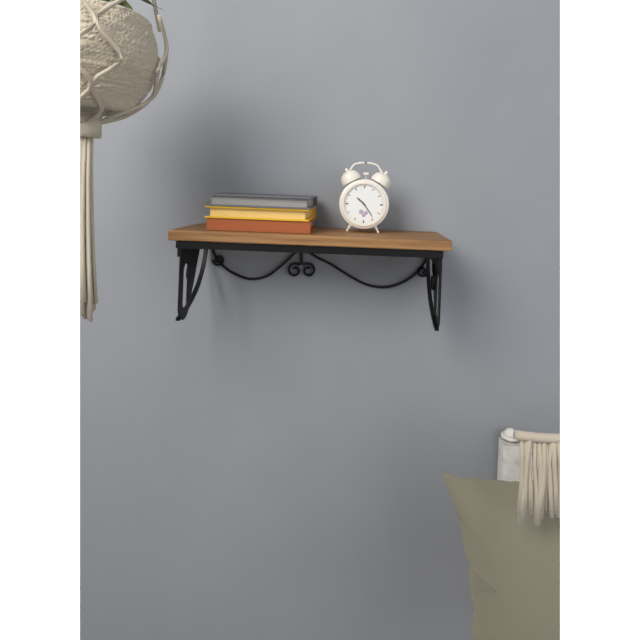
10:24
